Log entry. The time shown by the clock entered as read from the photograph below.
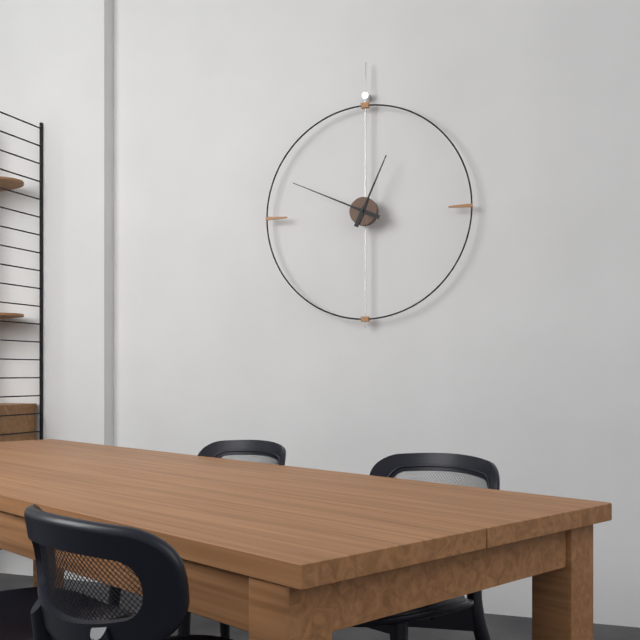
12:49
